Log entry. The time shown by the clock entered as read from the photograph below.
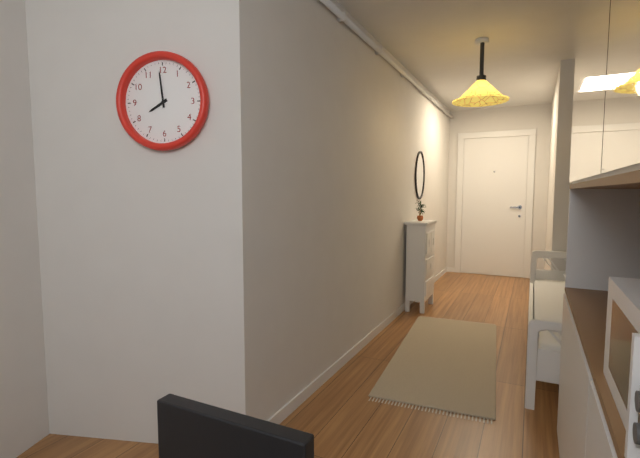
7:59
